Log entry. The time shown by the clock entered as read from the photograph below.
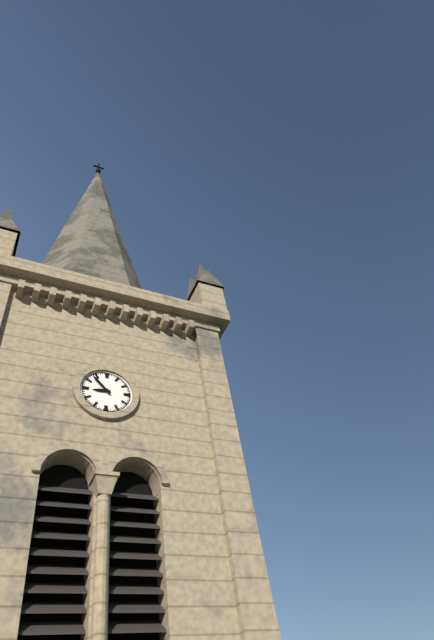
8:53
